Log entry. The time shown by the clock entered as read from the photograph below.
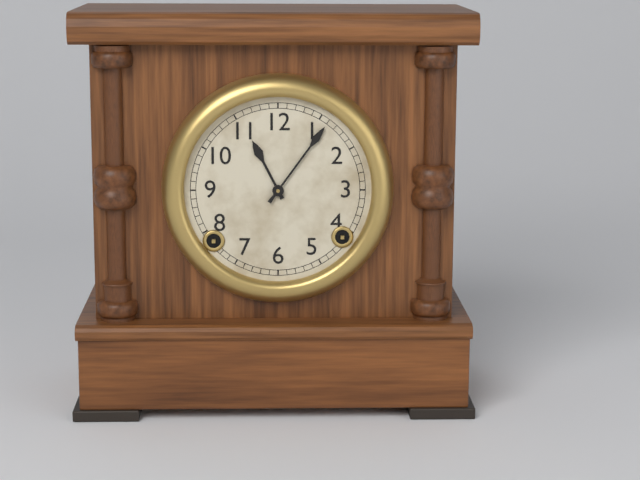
11:06
